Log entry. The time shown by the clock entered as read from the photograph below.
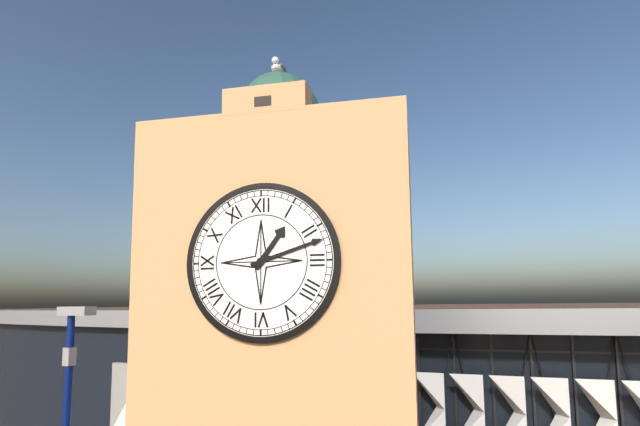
1:12
